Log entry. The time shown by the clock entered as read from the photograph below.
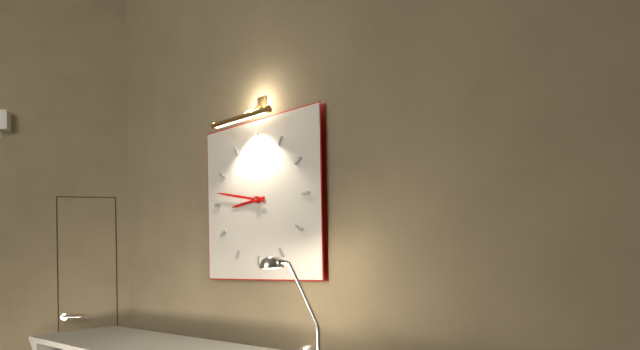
8:47
